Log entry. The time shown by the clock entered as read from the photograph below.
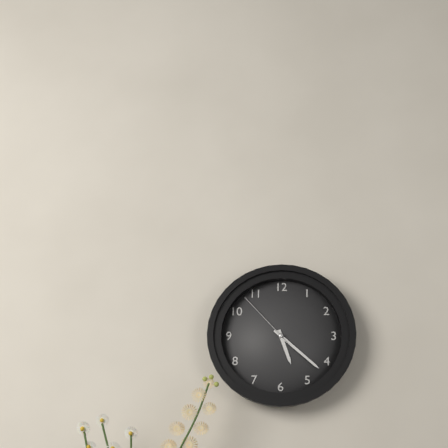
5:22:53
